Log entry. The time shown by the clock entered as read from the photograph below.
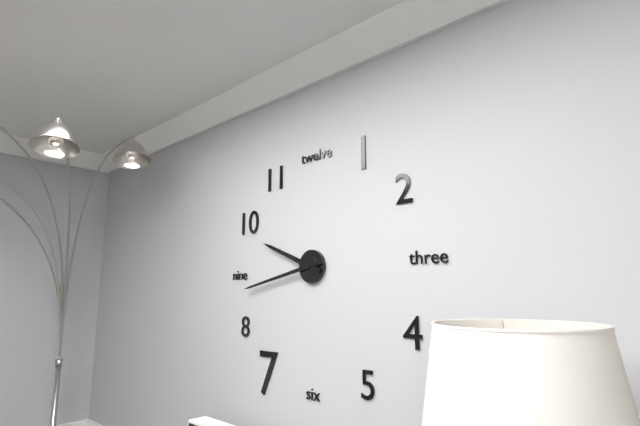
9:43
